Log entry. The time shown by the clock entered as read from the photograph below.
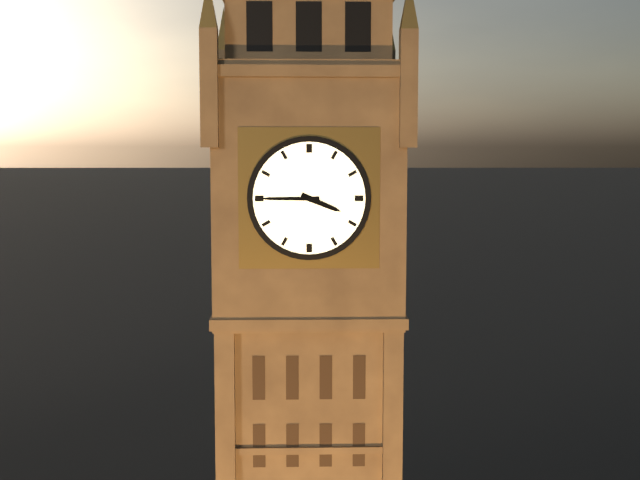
3:45
